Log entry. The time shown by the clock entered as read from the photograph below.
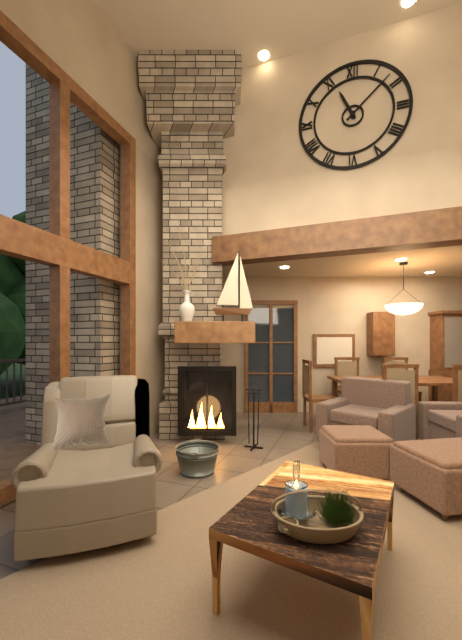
11:08
